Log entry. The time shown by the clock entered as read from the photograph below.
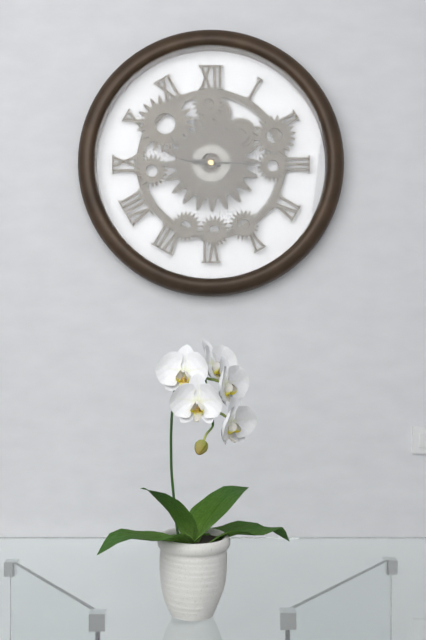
9:15
